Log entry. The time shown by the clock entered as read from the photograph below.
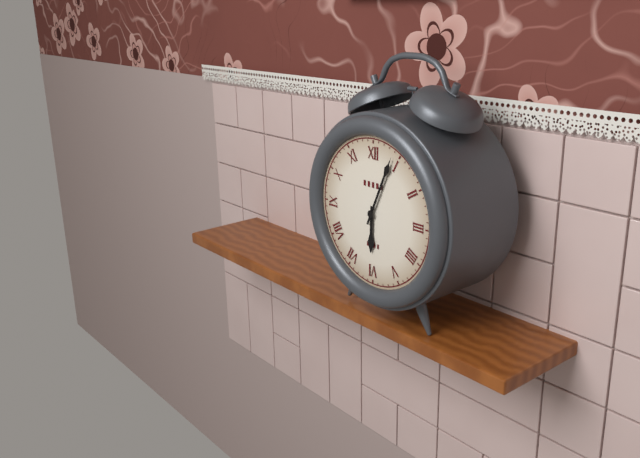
6:04
